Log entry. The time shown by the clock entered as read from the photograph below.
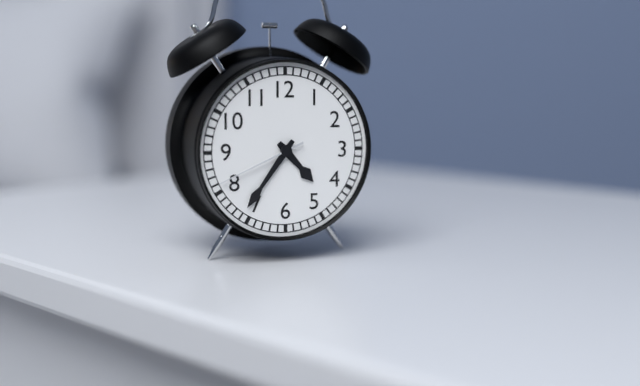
4:36:41
